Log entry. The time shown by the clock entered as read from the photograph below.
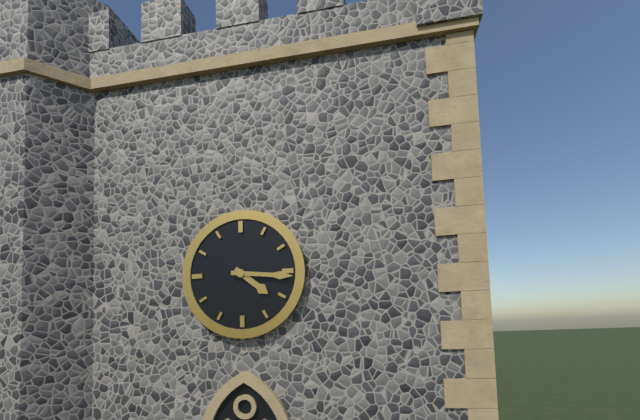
4:16
